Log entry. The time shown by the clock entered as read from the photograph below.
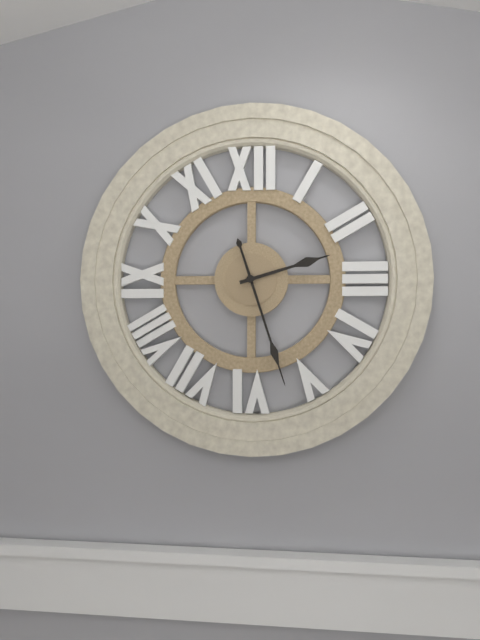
2:27
